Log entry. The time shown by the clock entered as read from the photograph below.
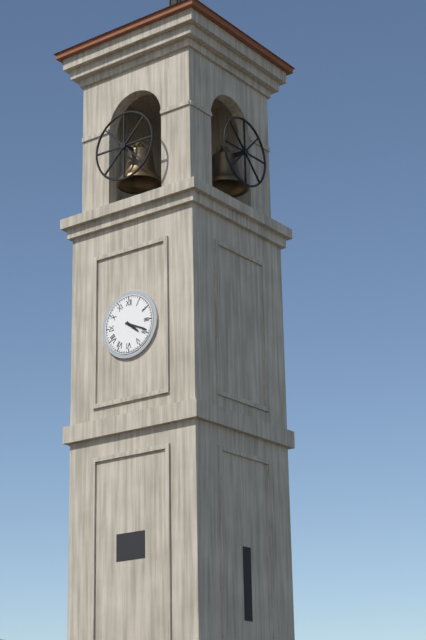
4:19
